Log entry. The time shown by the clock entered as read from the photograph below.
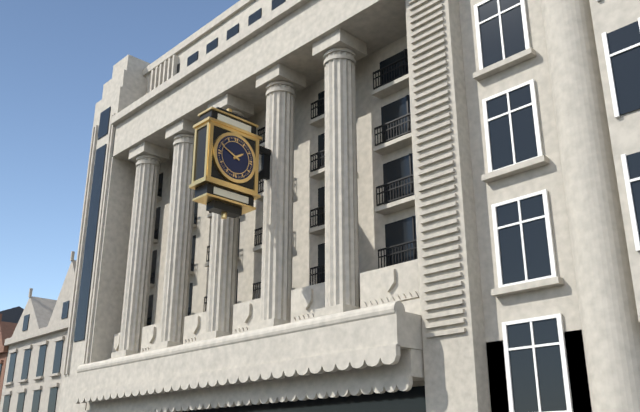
1:49
